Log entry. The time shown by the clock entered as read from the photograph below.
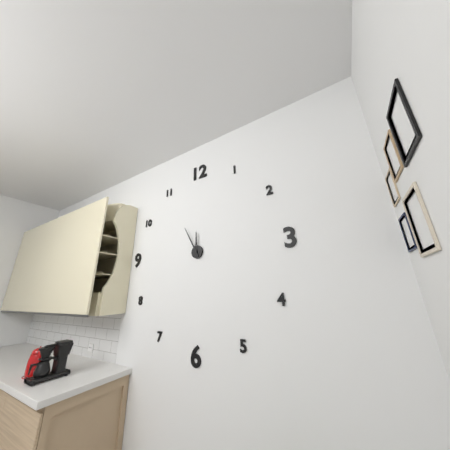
11:55
